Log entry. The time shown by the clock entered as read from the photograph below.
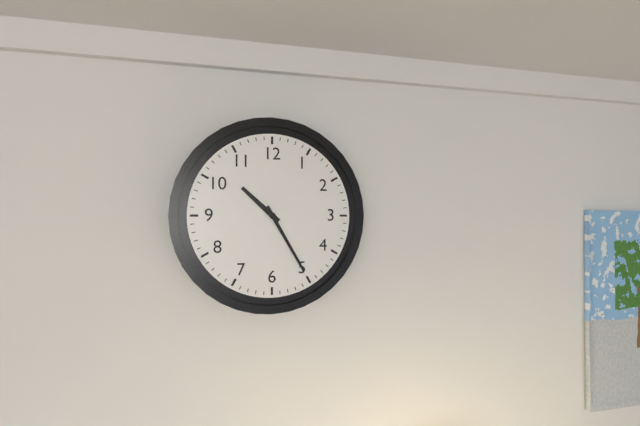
10:25
